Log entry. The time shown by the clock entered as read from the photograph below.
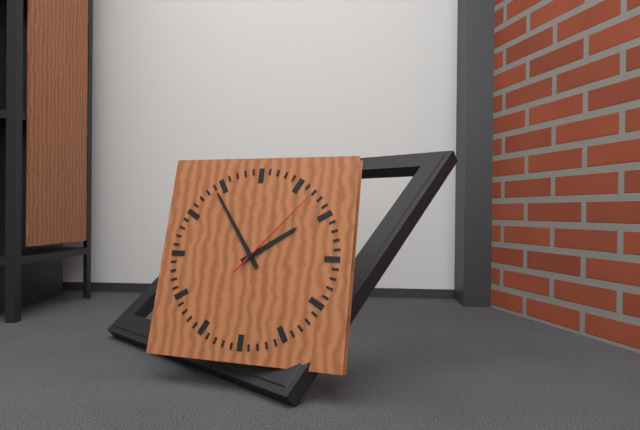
1:54:07
